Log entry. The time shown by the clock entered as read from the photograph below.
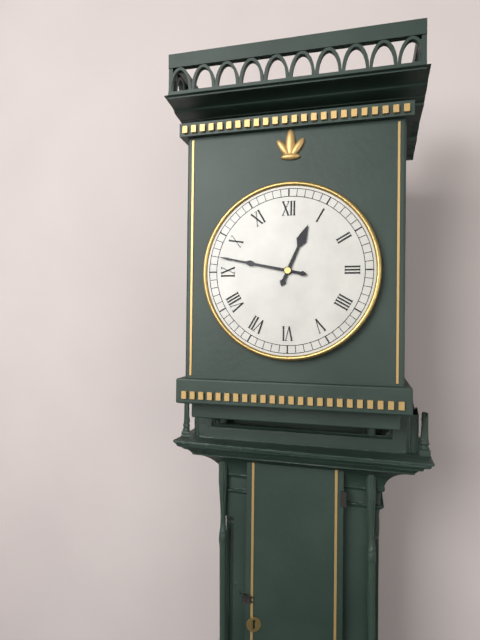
12:47
